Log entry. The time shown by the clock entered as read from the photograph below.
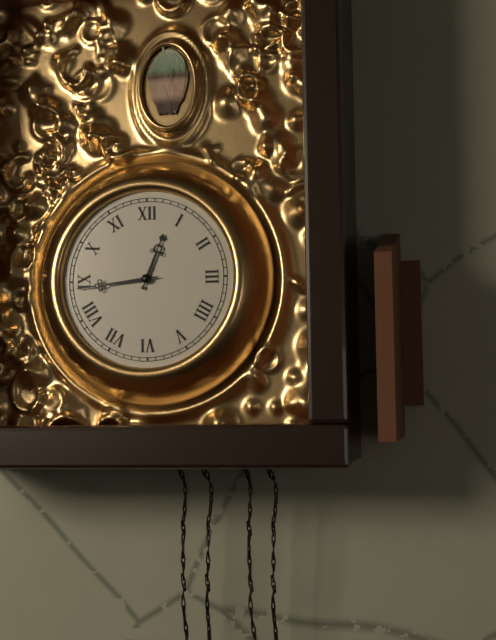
12:44
